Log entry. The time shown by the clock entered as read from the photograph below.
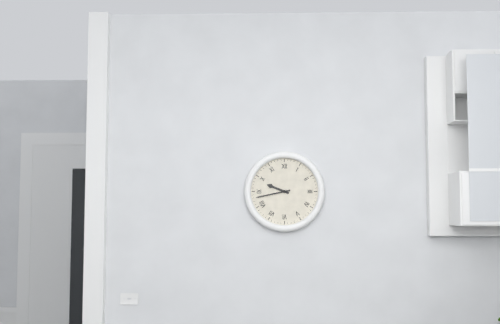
9:43
